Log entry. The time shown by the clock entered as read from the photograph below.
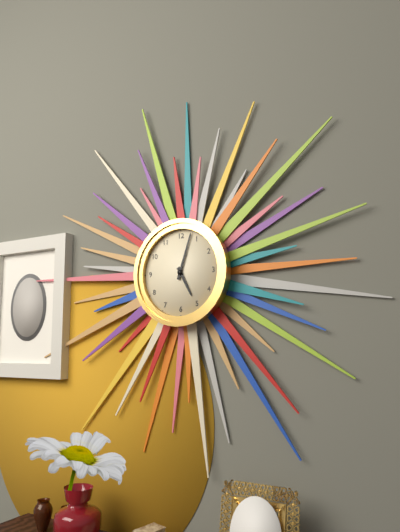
5:03
